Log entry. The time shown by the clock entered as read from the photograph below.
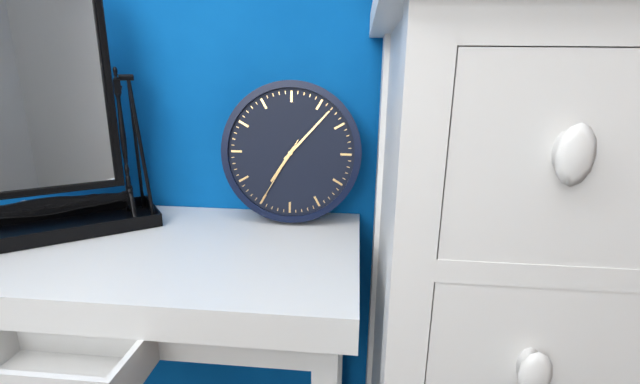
7:07:35
